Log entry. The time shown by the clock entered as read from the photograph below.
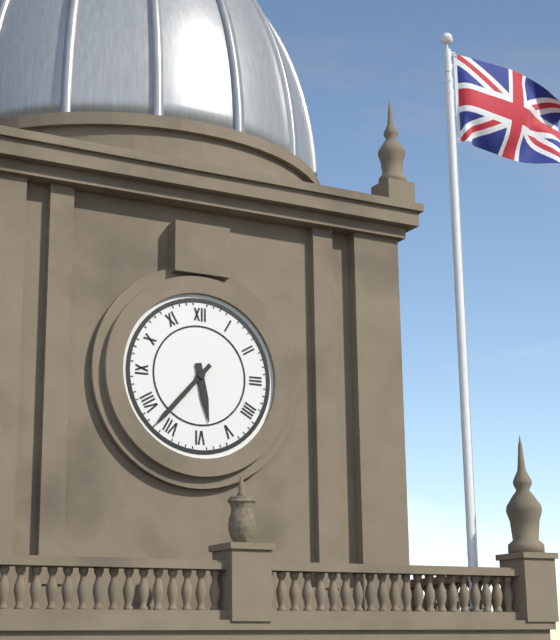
5:37
